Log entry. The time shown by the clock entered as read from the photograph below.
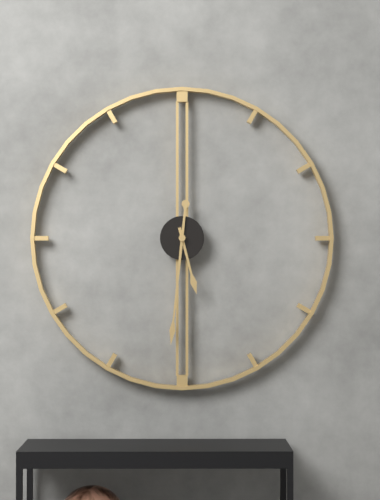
5:31
